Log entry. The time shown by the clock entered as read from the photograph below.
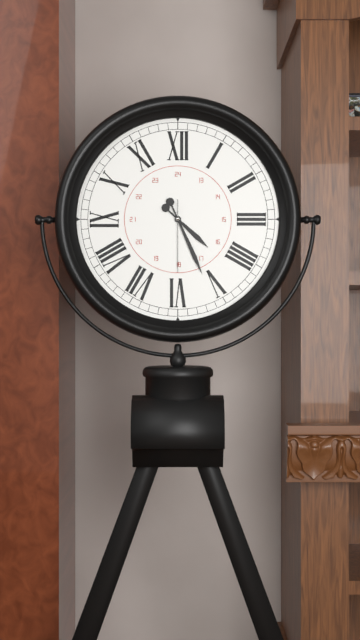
4:26:30
